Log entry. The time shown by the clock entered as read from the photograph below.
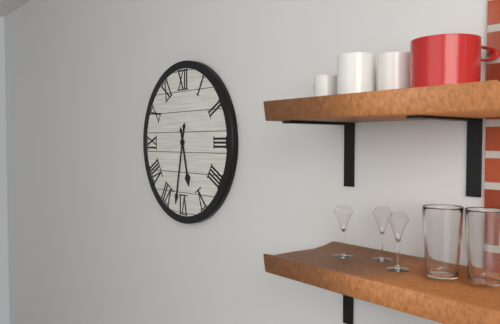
5:32
